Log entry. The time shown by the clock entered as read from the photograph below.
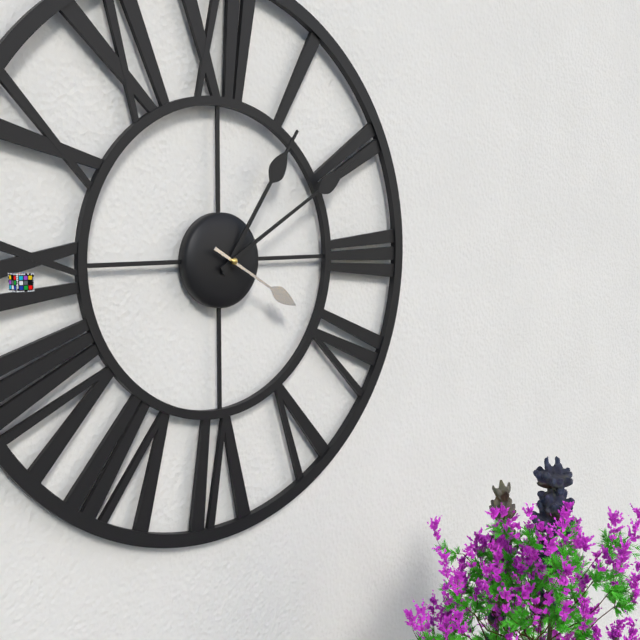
1:10:20
